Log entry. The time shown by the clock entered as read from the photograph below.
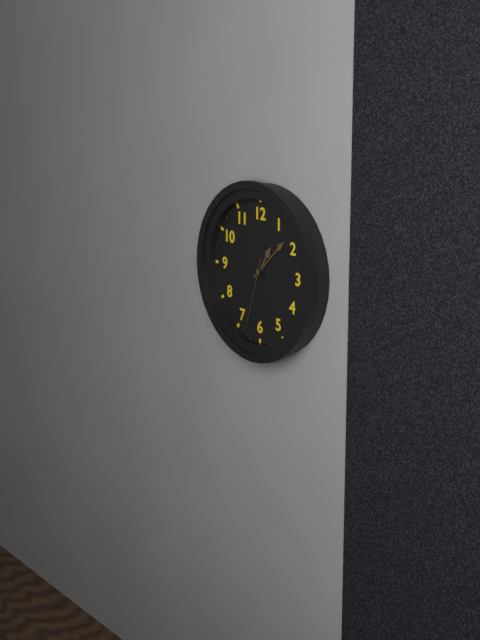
1:08:33
